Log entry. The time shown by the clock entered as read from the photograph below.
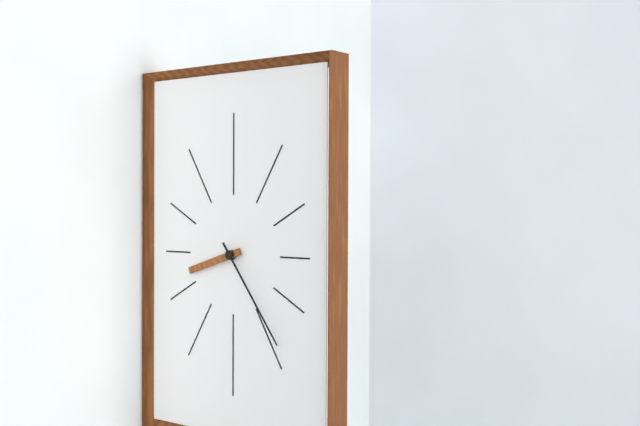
8:24
